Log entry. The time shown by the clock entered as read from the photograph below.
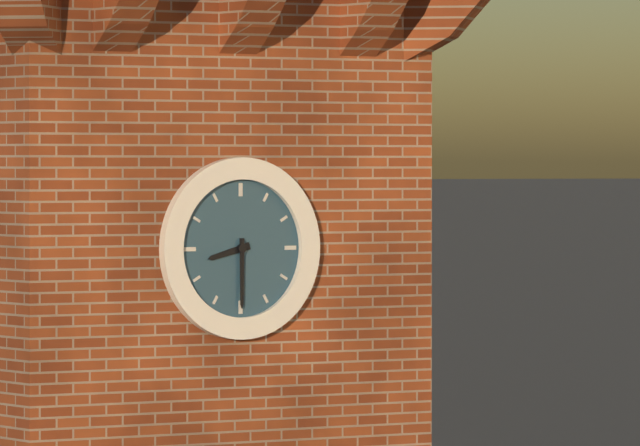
8:30
